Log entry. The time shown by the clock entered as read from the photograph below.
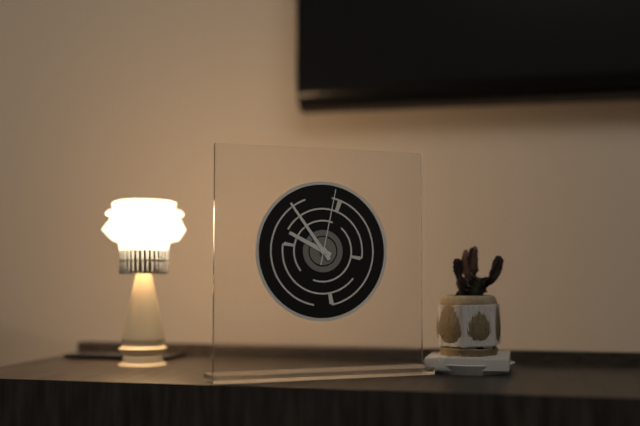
9:54:02
